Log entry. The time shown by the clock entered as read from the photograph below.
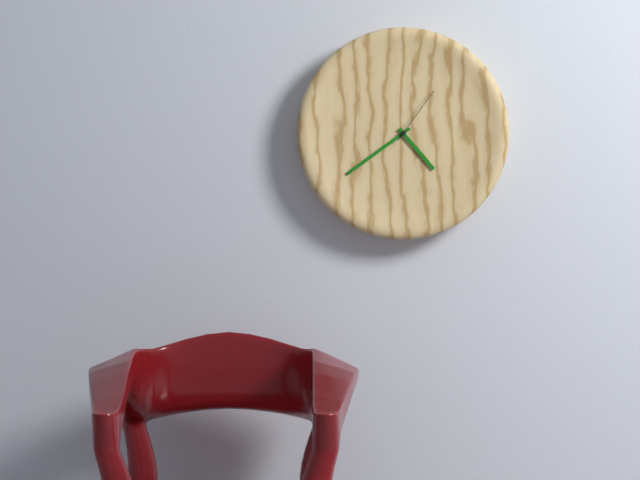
4:39:06
